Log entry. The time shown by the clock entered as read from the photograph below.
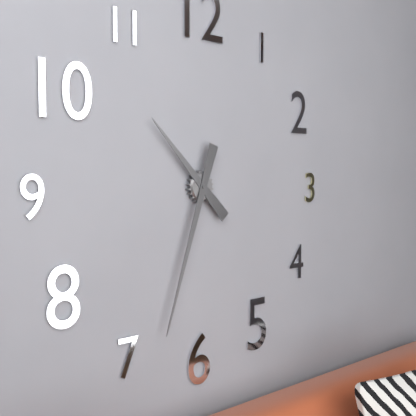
10:33
